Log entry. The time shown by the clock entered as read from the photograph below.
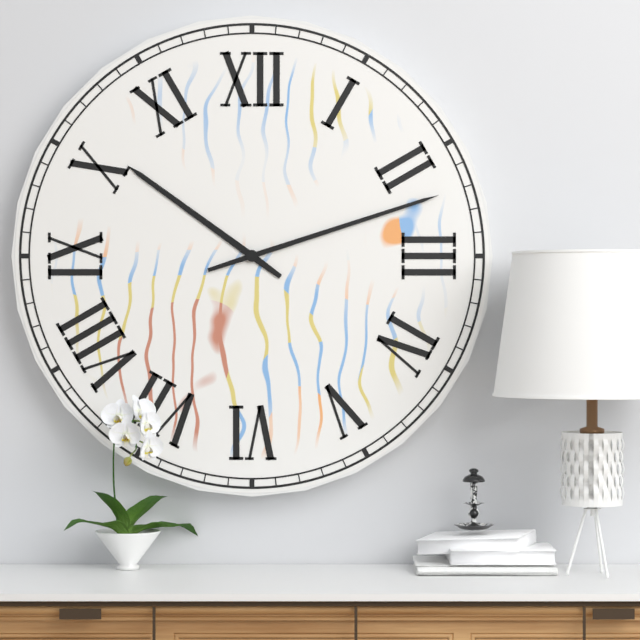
10:12
